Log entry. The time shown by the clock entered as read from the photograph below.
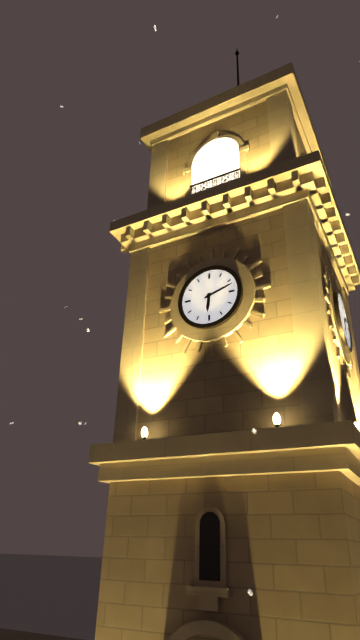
6:12
